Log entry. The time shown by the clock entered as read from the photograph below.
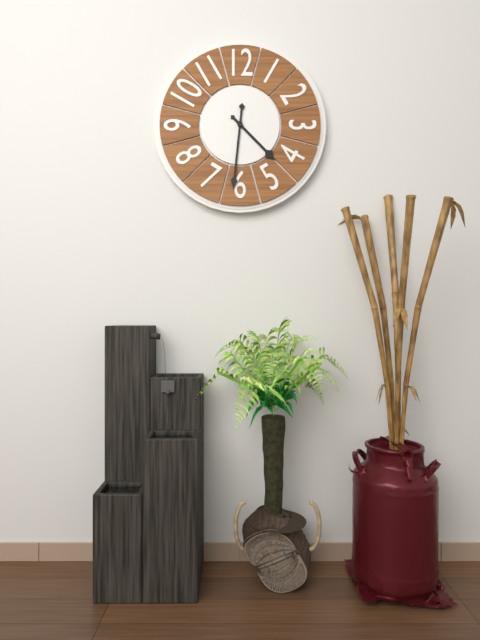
4:31
